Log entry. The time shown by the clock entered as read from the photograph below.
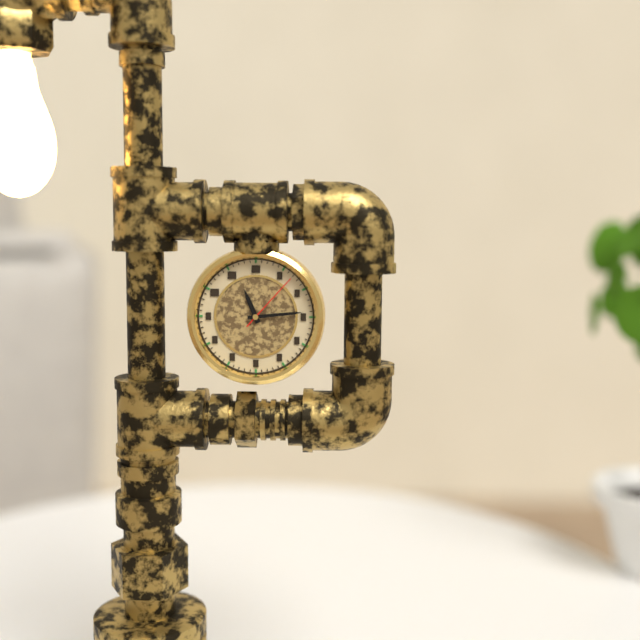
11:14:07
